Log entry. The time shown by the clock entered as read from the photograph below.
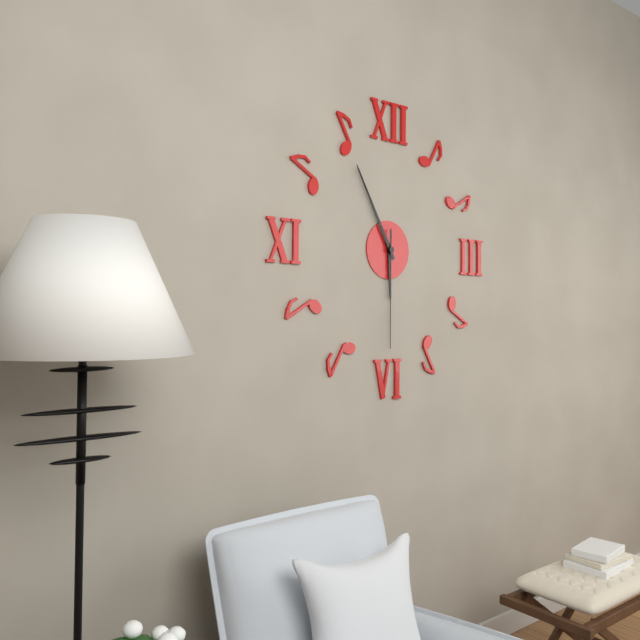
5:55:30
